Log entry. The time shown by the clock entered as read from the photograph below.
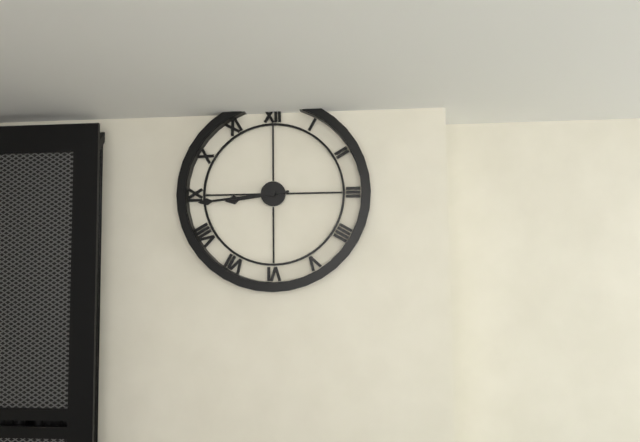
8:44
